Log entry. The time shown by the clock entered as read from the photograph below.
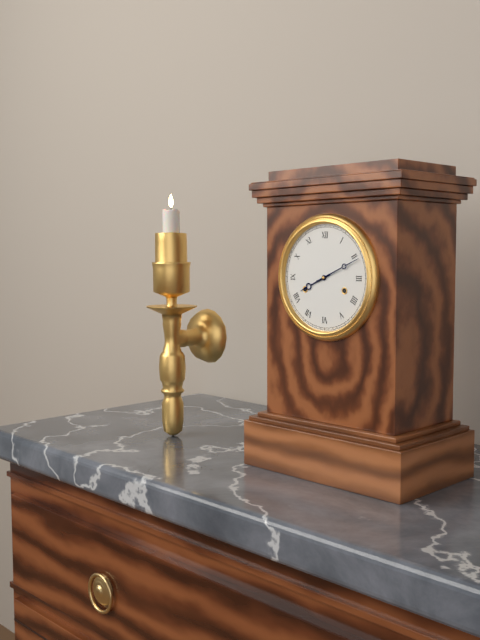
8:11
